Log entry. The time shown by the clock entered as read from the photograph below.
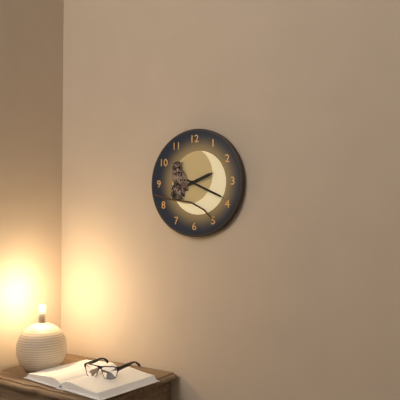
2:19
